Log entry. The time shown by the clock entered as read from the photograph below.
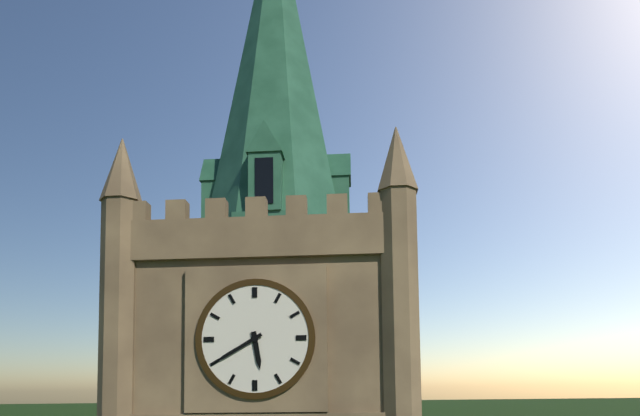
5:40
